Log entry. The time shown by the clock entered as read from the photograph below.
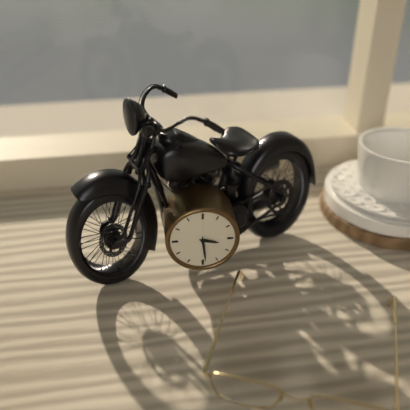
3:29
